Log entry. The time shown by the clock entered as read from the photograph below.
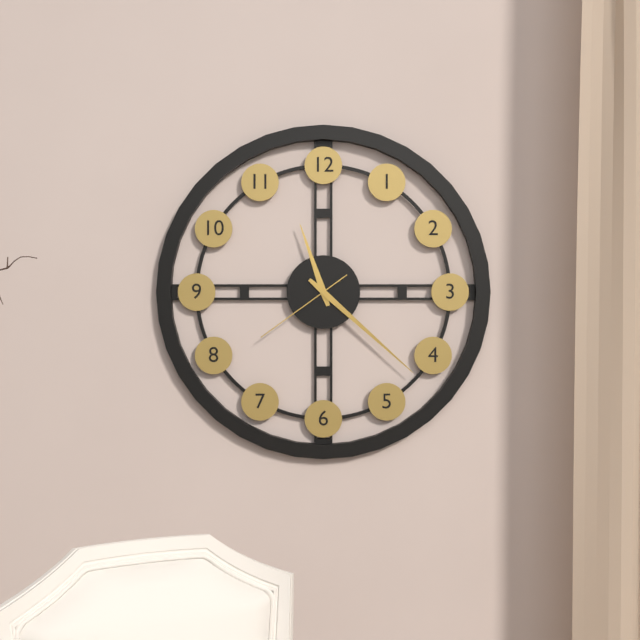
11:22:39
